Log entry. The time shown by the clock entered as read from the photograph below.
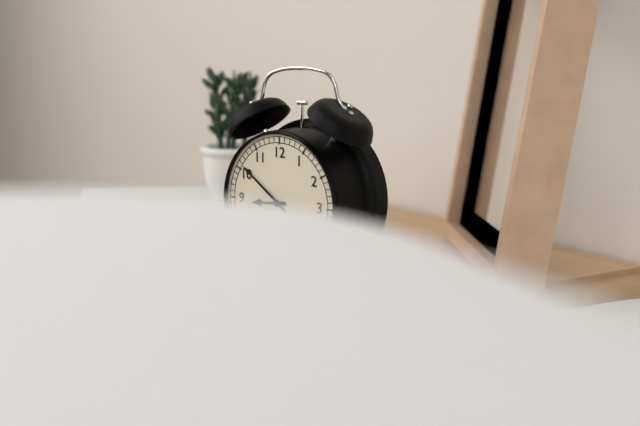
8:51
